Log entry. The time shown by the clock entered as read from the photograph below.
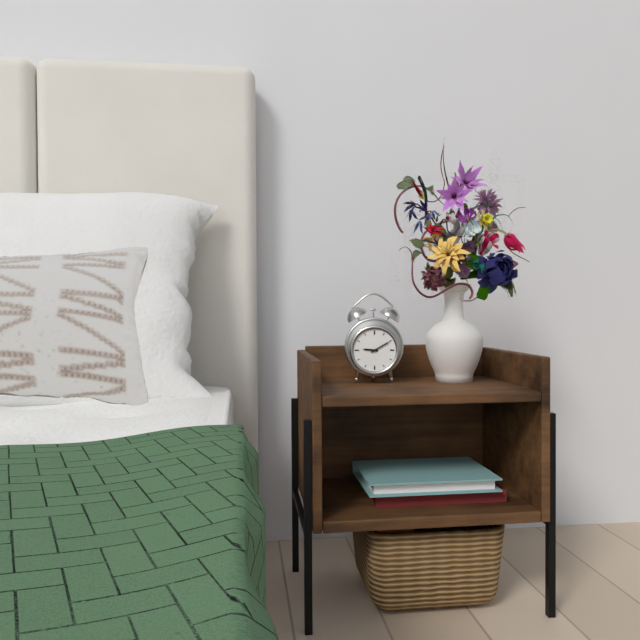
9:10
